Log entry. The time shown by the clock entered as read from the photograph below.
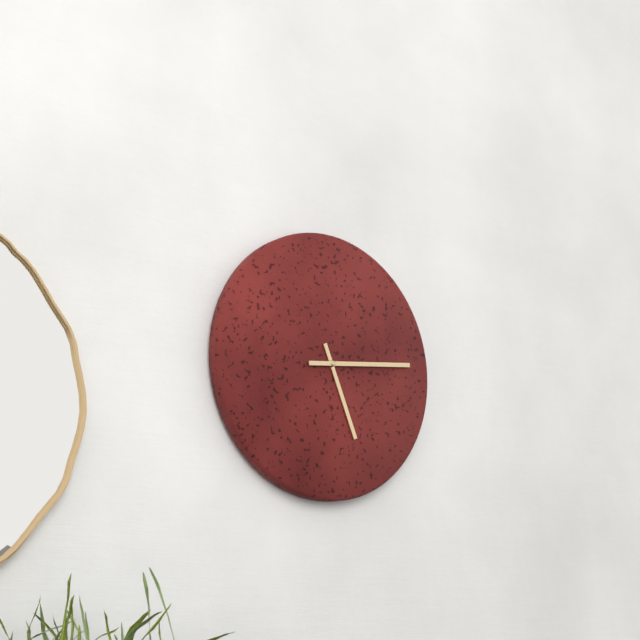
5:14
